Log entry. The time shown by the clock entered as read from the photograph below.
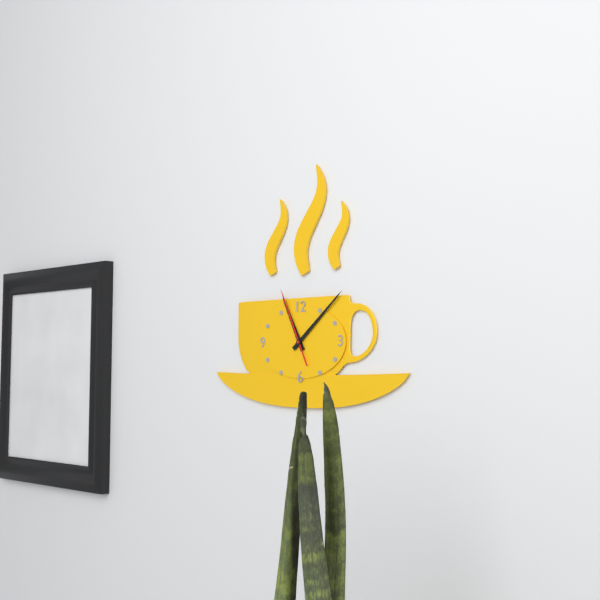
11:08:56
